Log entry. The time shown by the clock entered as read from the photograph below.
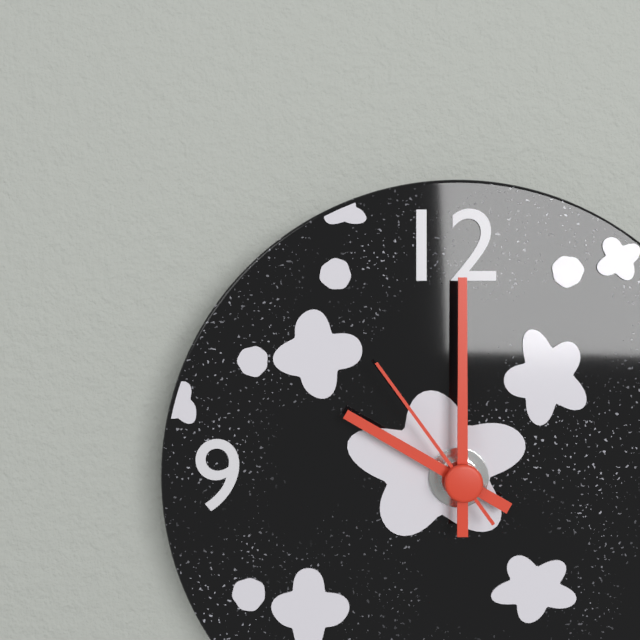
10:00:54
